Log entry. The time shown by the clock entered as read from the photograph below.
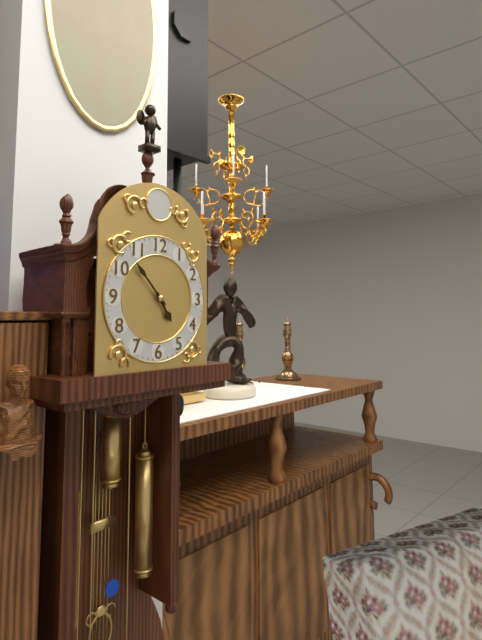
4:53
